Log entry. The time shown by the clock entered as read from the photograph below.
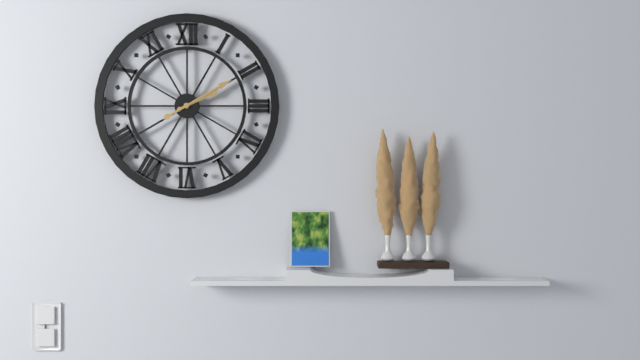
2:10
